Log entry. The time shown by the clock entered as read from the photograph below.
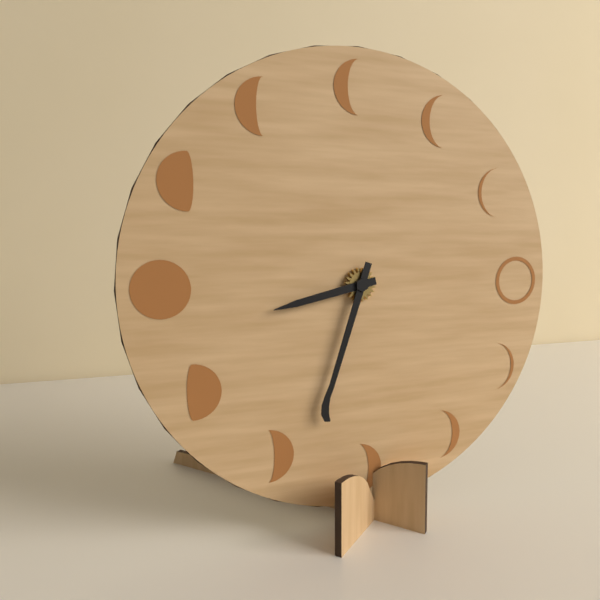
8:33
